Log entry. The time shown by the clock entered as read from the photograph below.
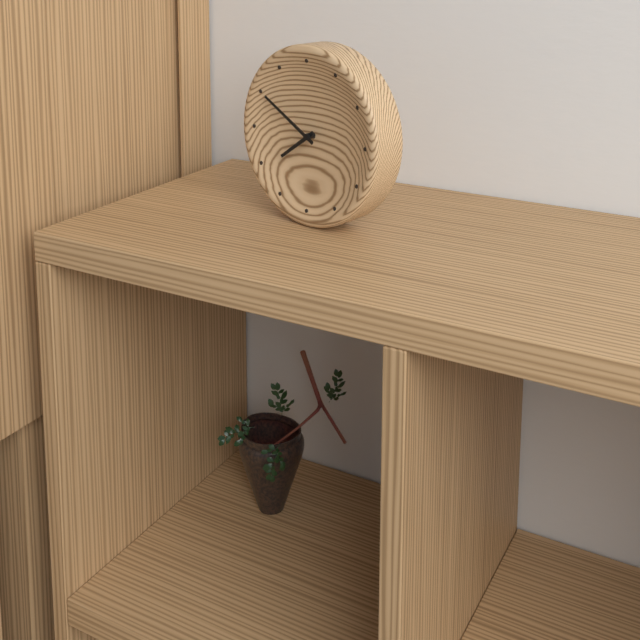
7:50
